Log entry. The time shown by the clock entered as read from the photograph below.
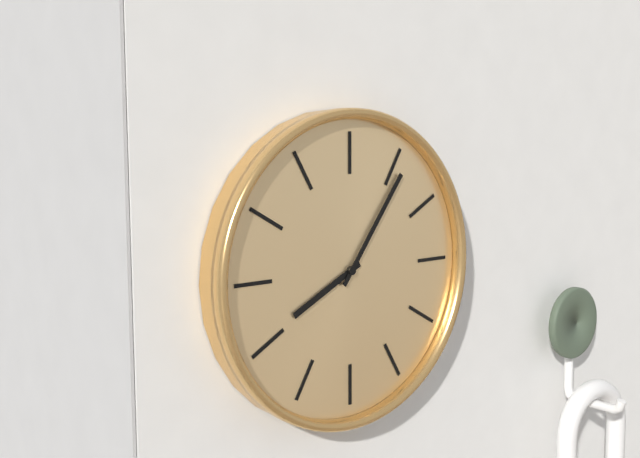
8:06
